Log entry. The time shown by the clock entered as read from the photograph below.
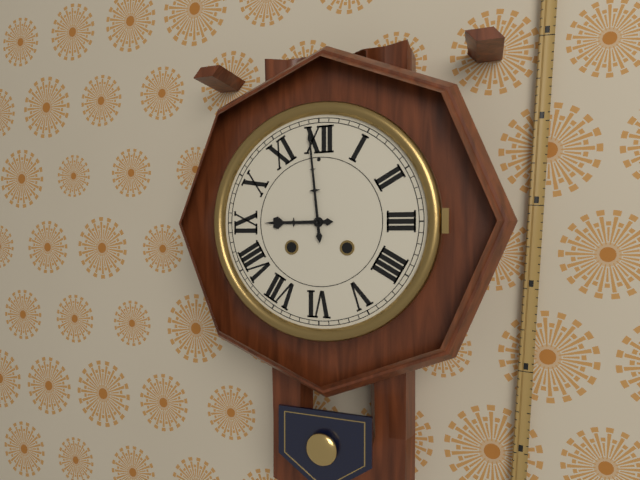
8:59
